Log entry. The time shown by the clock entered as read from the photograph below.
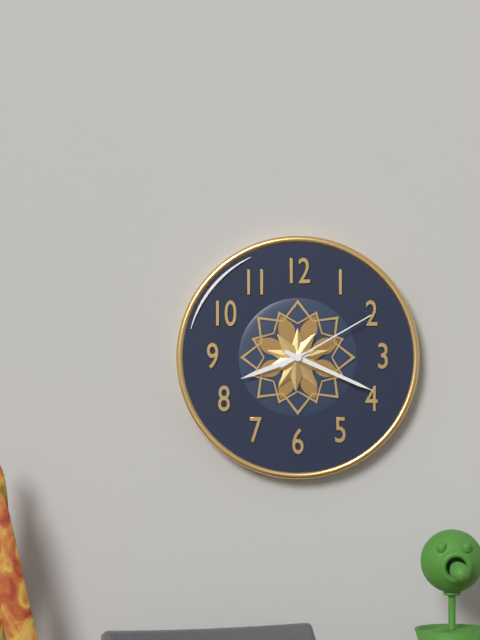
8:19:10
